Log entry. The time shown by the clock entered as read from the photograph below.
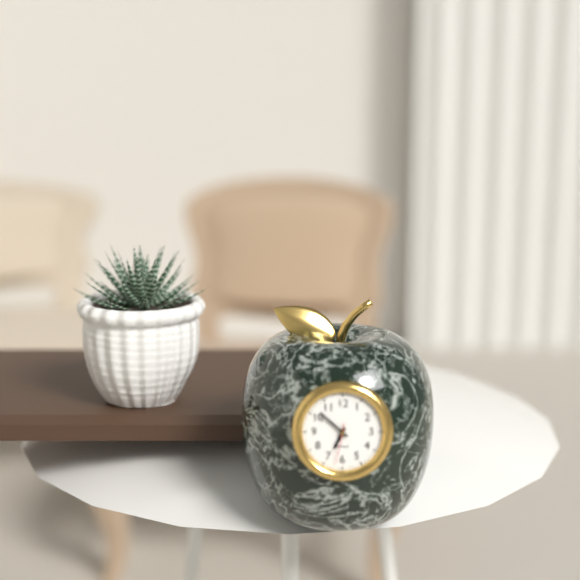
6:52
